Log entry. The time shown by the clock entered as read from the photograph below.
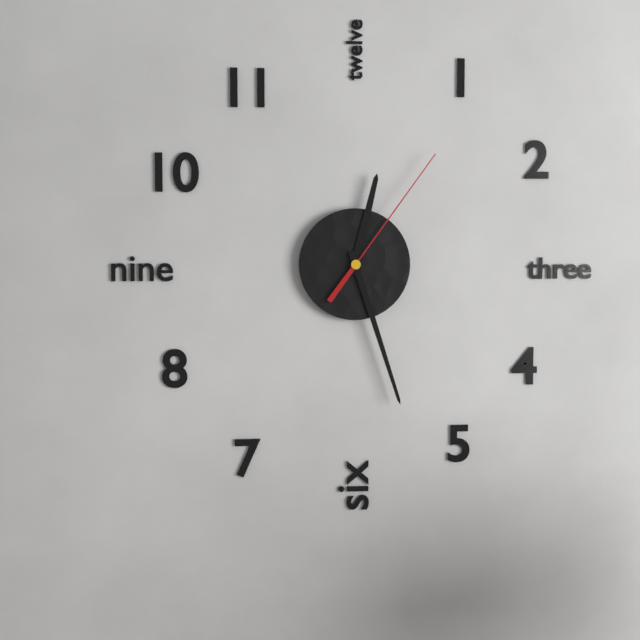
12:27:06
